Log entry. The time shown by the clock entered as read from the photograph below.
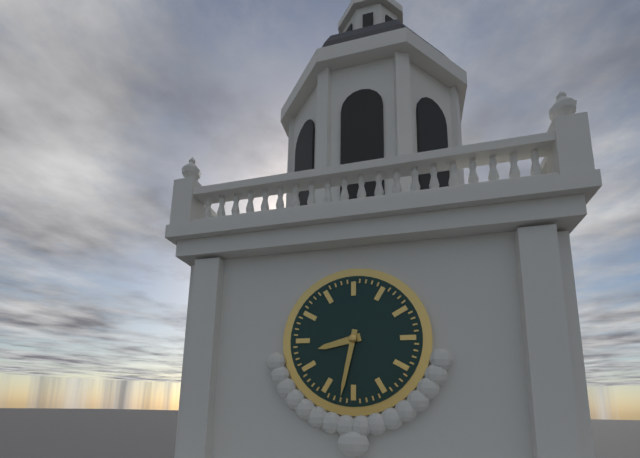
8:32
